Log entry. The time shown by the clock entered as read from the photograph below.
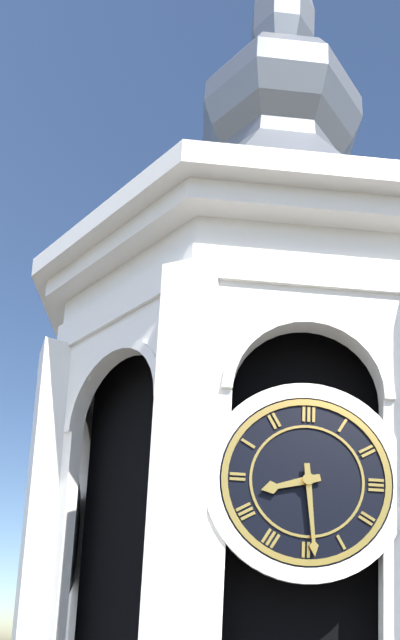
8:29
